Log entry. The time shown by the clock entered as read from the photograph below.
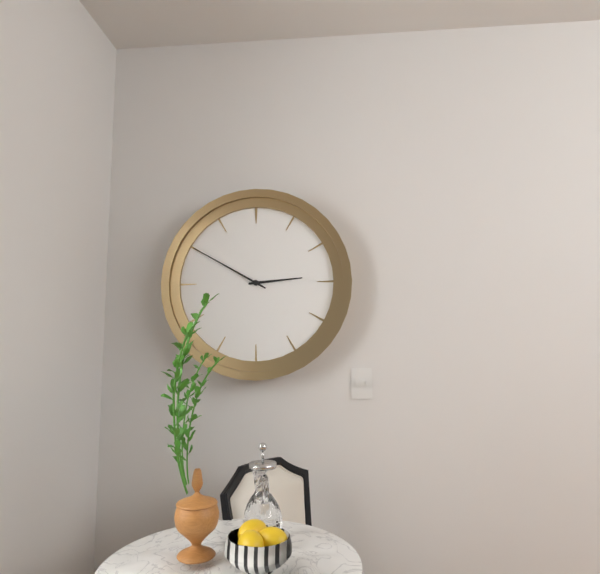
2:50
